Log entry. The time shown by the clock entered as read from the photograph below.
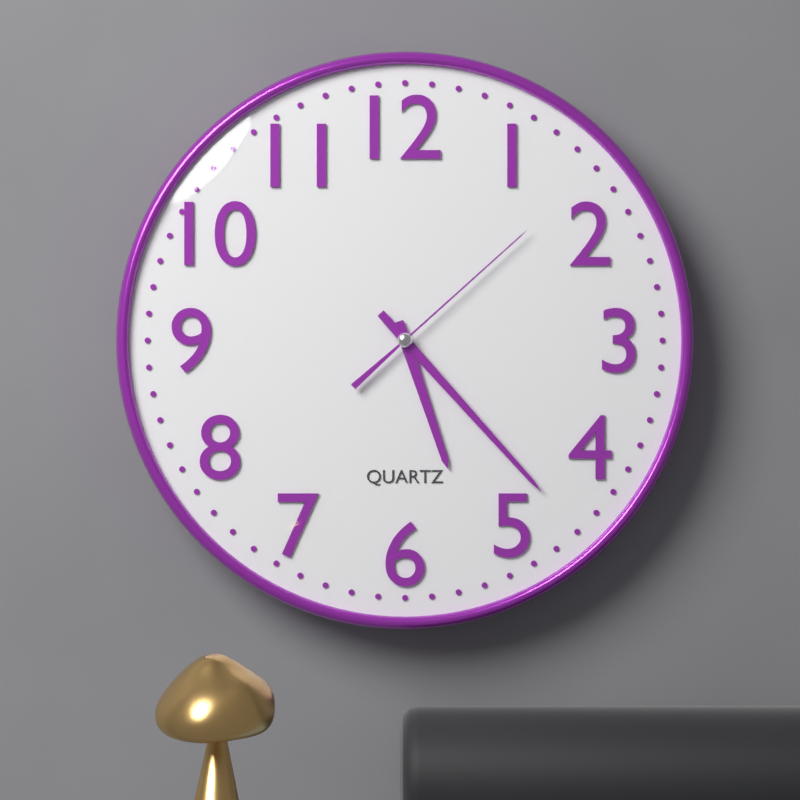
5:23:08
